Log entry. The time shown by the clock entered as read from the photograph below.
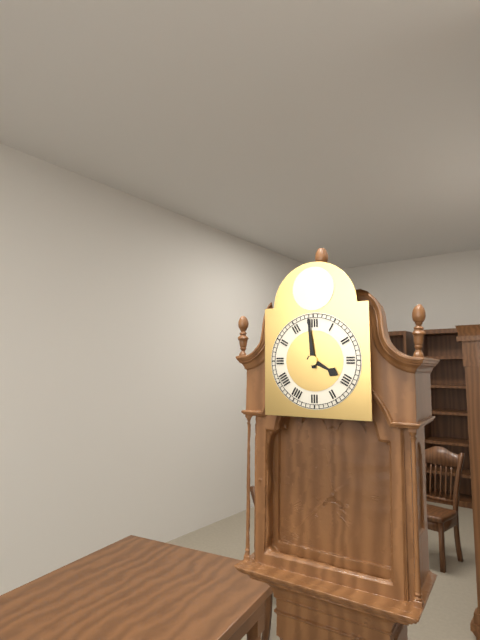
3:59
